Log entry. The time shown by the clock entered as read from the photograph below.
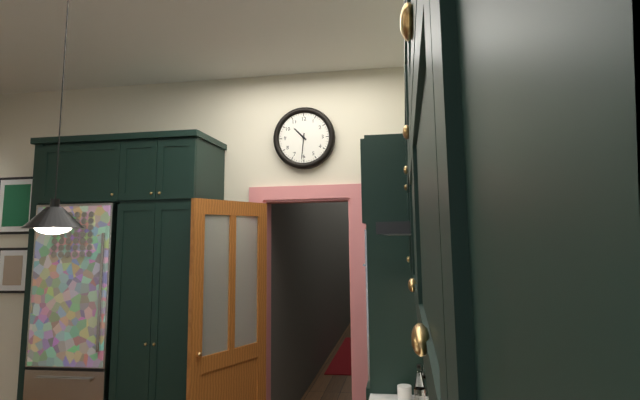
10:31
